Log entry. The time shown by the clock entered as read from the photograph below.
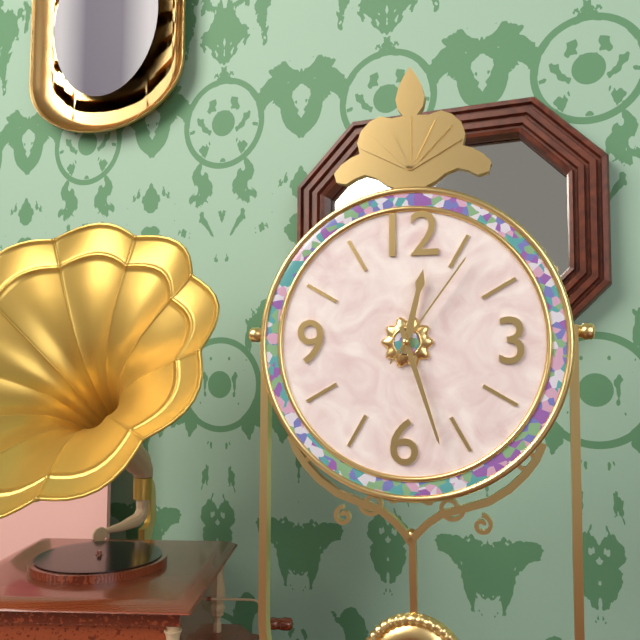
12:27:06
